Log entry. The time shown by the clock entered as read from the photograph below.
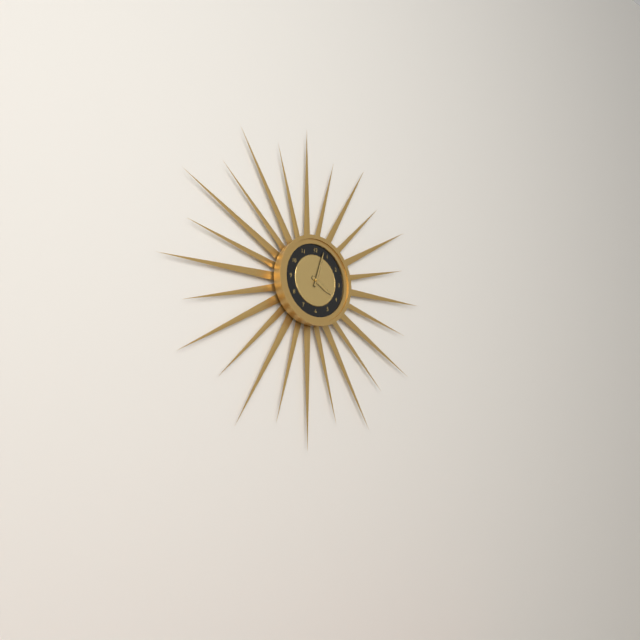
4:03
